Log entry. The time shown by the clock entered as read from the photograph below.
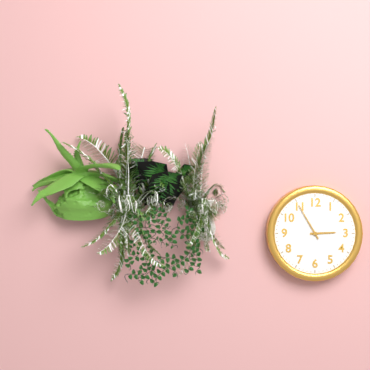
2:55
